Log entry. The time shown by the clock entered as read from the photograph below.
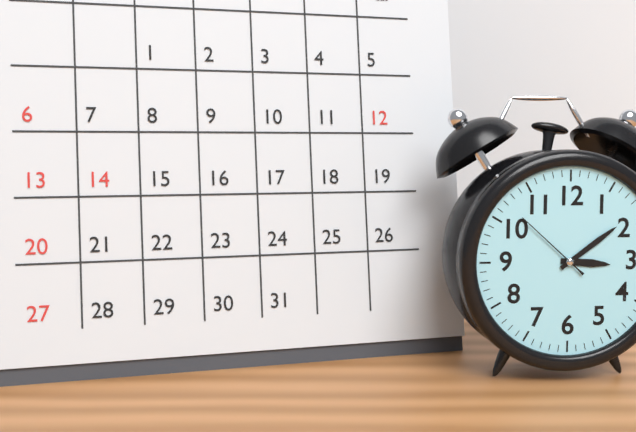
3:09:52
